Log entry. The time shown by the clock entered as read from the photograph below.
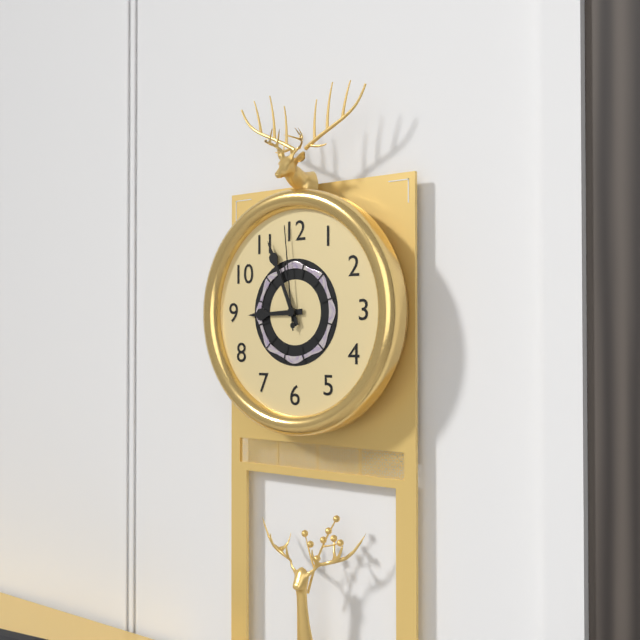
8:56:59
